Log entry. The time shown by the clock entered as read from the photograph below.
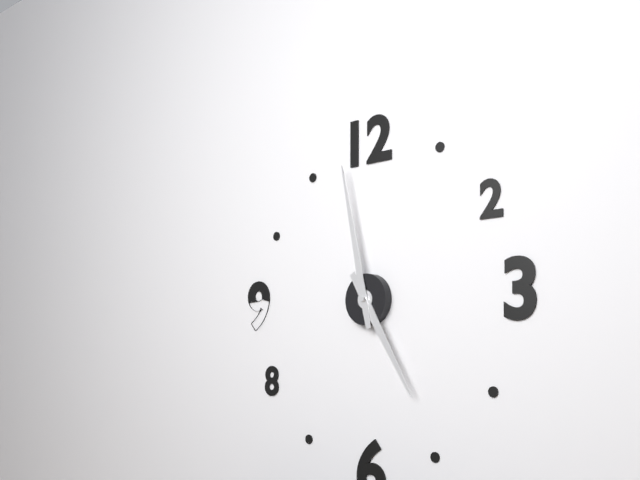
4:58
